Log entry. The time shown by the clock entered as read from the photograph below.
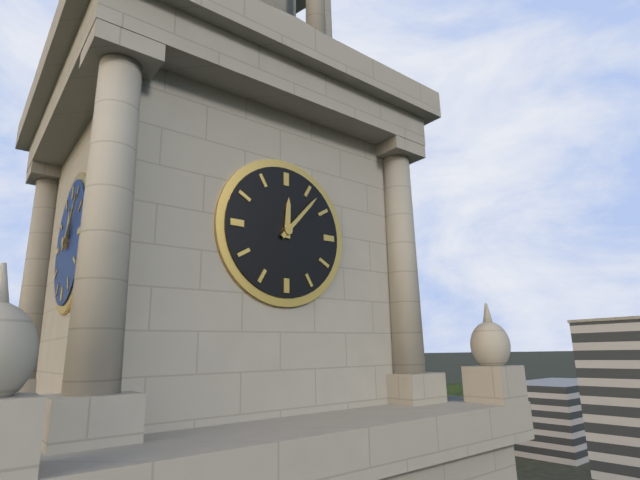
12:07
